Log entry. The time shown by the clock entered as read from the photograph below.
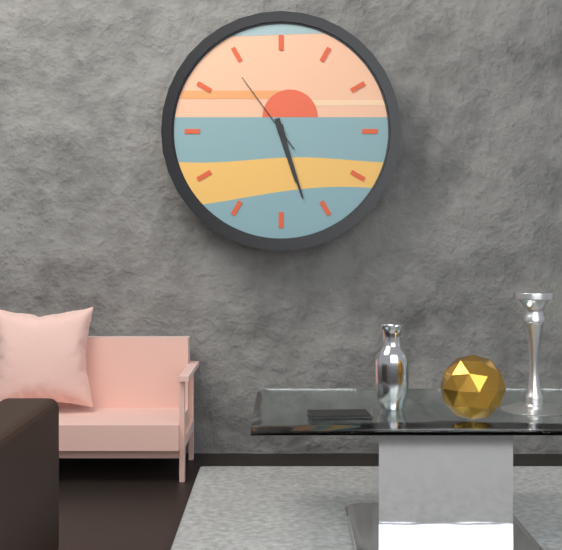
5:27:54
